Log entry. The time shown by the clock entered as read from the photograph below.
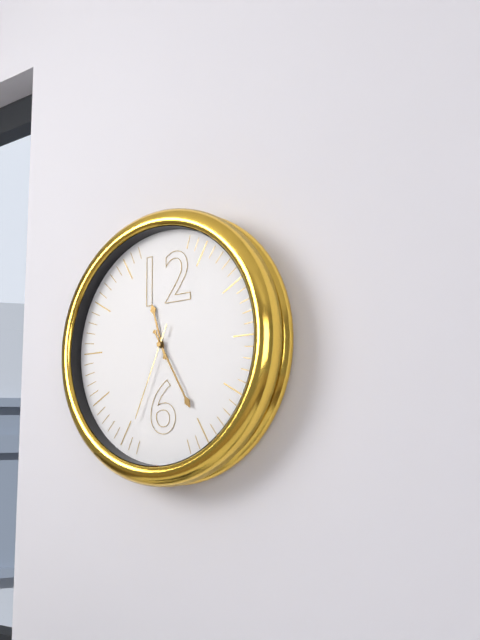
11:25:34
